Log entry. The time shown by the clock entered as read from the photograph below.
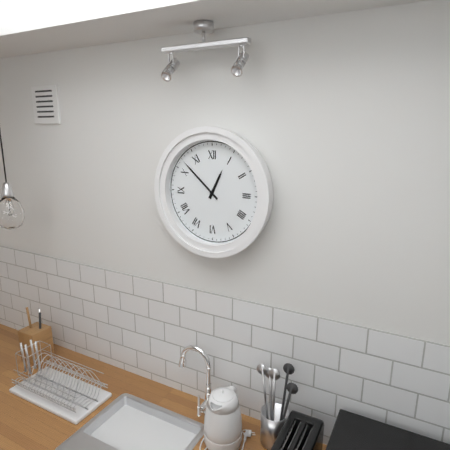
12:52
